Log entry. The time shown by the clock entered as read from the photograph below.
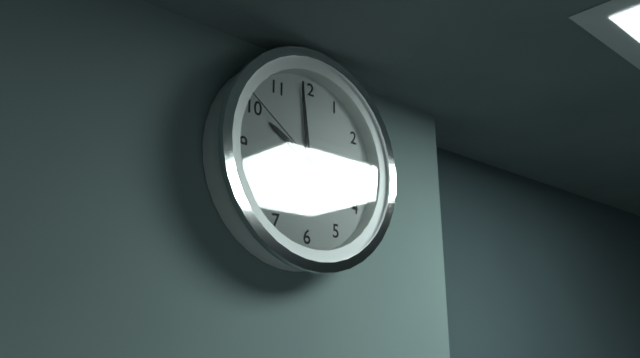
9:59:51
